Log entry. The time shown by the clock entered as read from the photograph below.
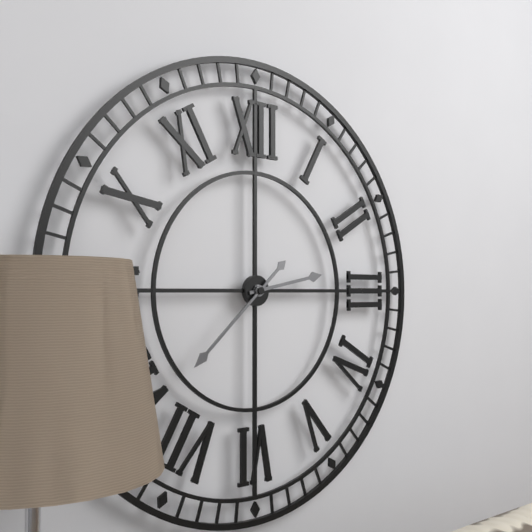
2:38
